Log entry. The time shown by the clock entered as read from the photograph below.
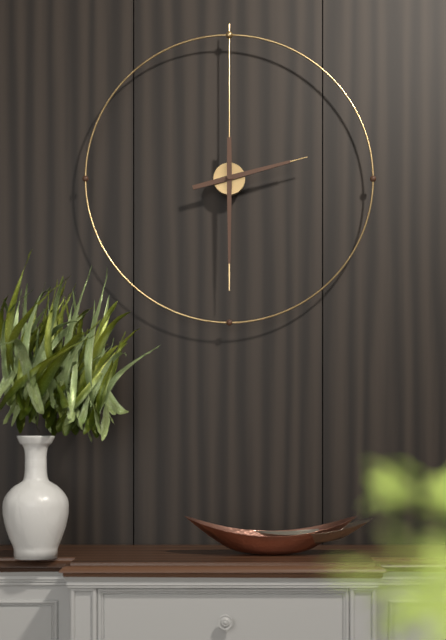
2:30
